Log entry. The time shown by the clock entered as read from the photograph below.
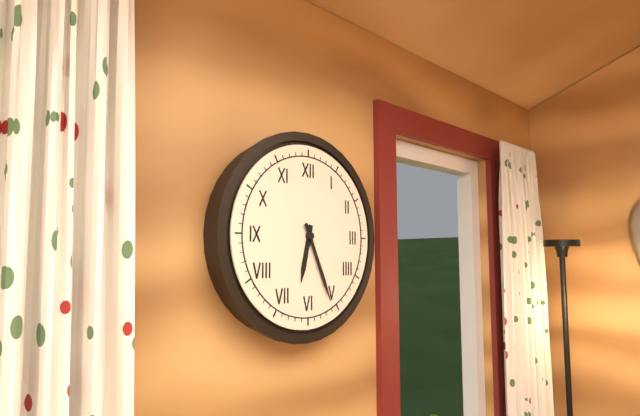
6:26
